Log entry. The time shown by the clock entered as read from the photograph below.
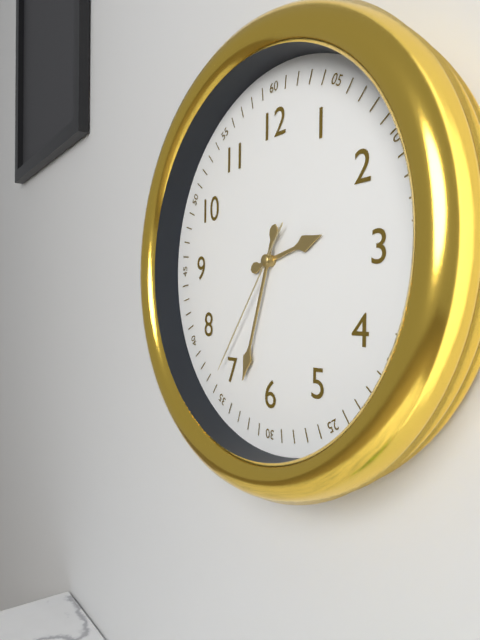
2:33:36
